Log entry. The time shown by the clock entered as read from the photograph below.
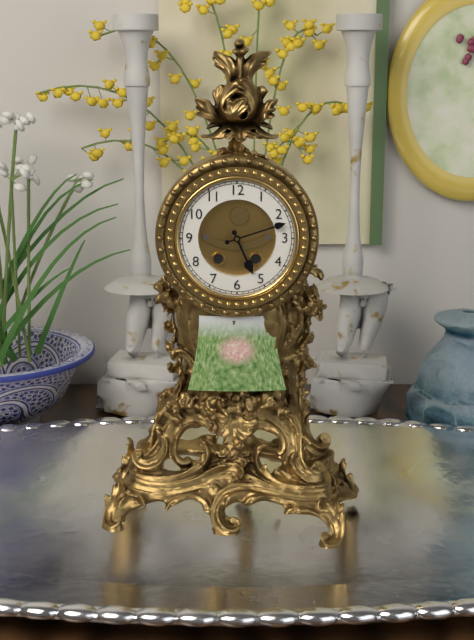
5:12
